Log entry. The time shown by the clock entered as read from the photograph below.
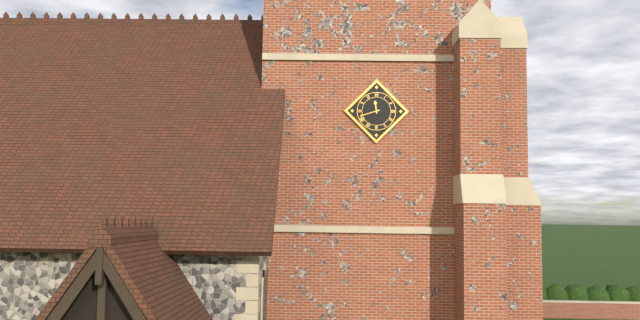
11:42
